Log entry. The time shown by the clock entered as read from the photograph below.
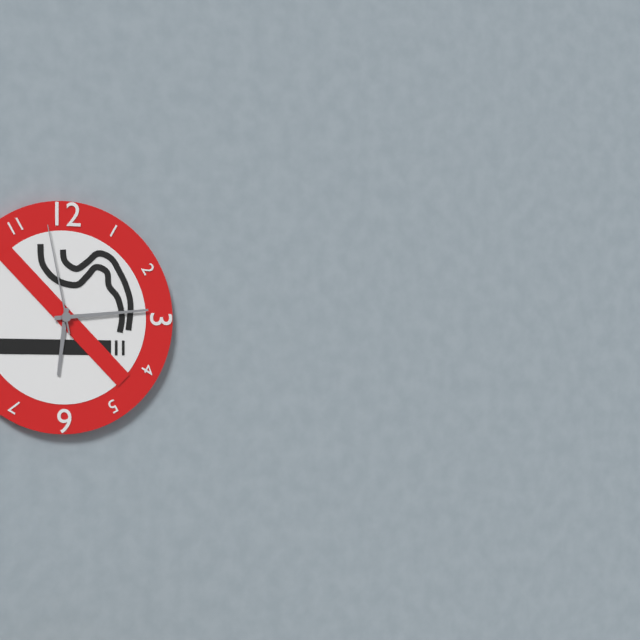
6:14:58
